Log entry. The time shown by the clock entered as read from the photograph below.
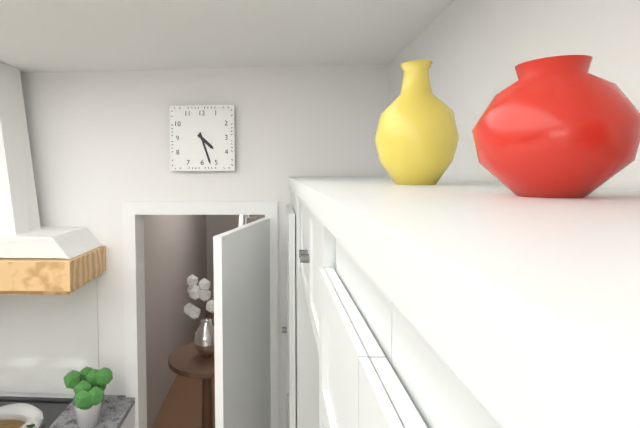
4:27
